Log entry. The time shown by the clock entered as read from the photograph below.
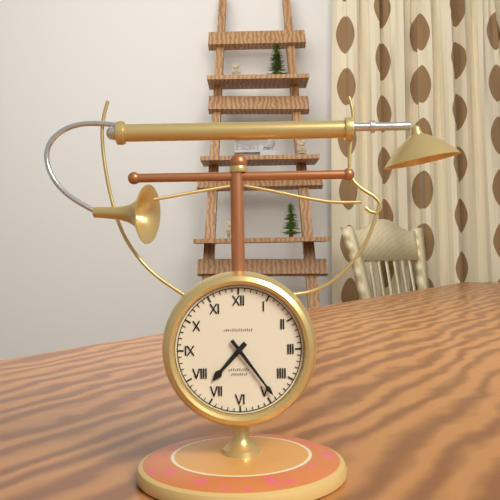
7:24
